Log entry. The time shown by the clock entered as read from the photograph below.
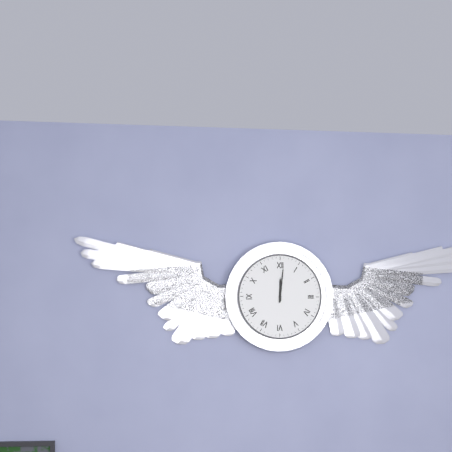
12:01
